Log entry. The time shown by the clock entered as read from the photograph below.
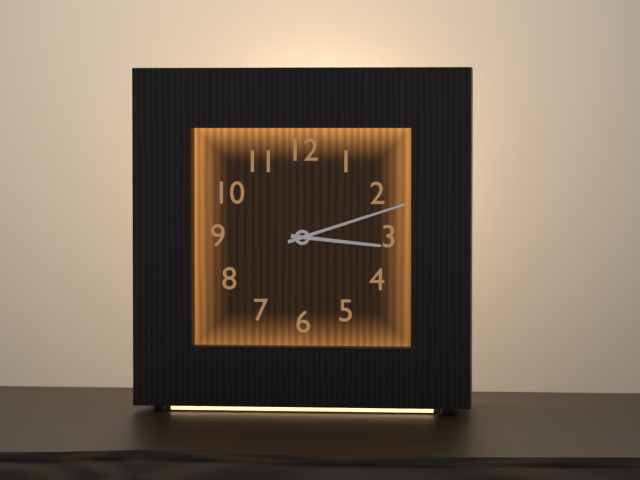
3:12
